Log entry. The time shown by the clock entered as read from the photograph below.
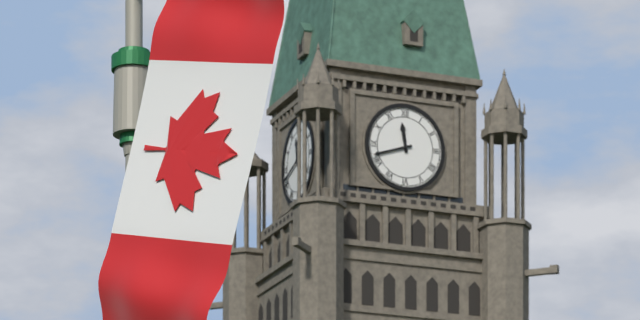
11:42
